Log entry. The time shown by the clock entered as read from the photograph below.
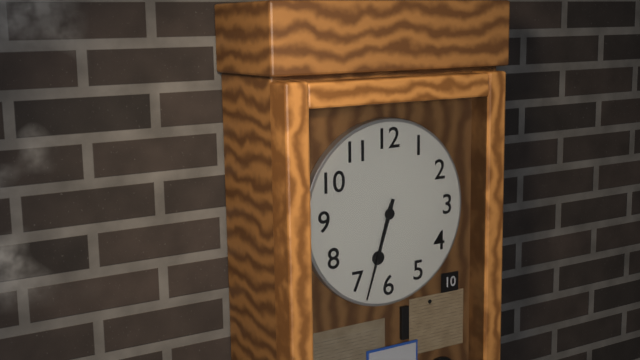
6:33
